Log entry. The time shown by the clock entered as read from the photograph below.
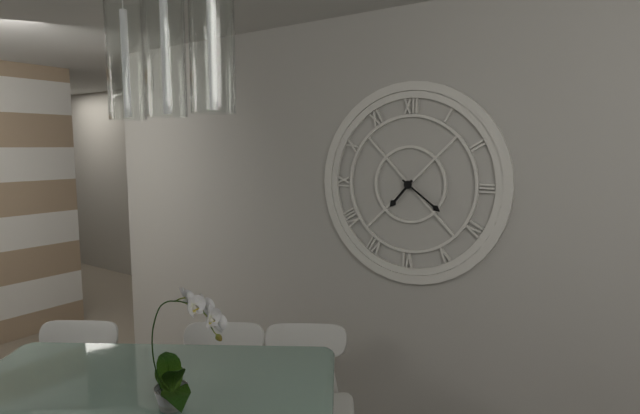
7:21
